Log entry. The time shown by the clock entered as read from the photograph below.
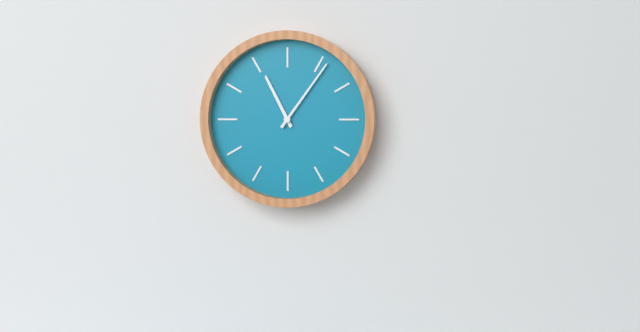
11:06
